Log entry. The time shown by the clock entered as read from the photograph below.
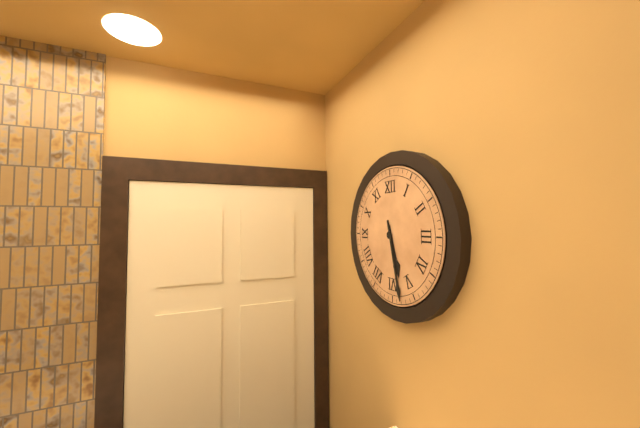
5:28
